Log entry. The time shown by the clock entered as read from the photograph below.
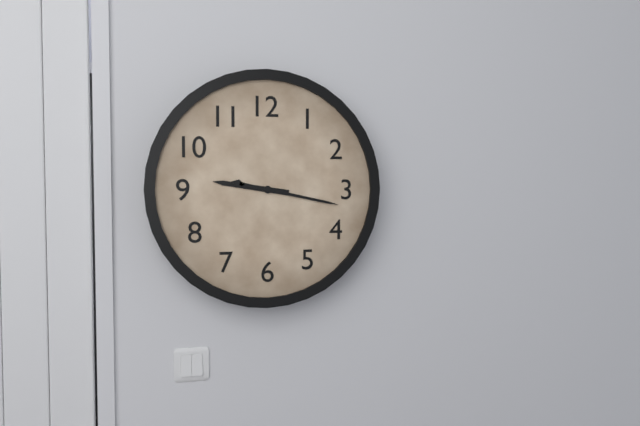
9:17
